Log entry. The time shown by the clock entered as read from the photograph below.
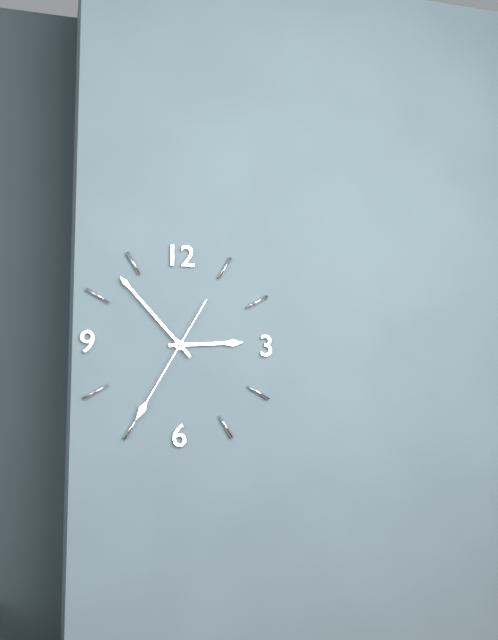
2:53:35
